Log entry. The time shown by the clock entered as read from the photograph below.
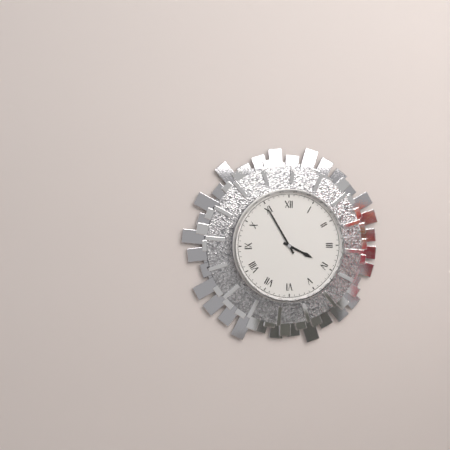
3:55
